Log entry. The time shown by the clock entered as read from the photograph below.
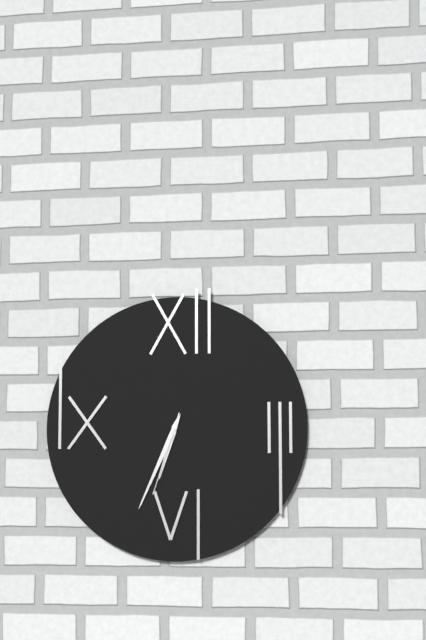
6:34:33
